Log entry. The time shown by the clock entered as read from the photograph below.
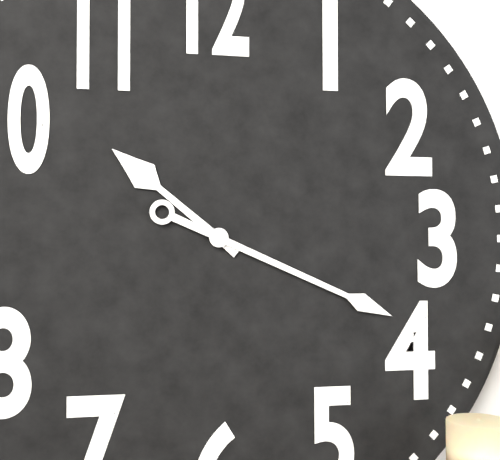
10:19
